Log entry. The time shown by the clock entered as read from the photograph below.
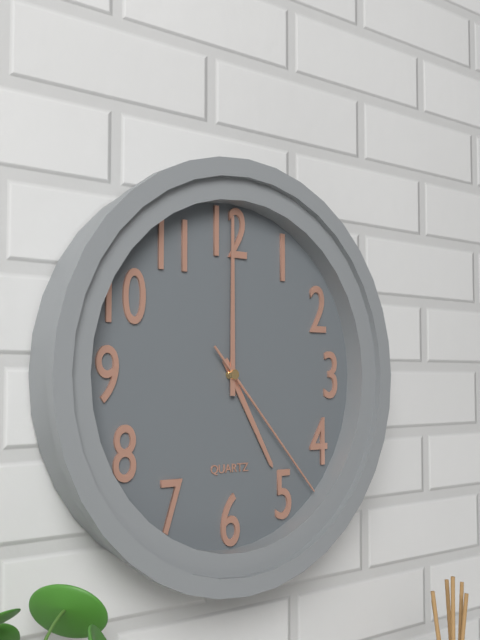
5:00:23
